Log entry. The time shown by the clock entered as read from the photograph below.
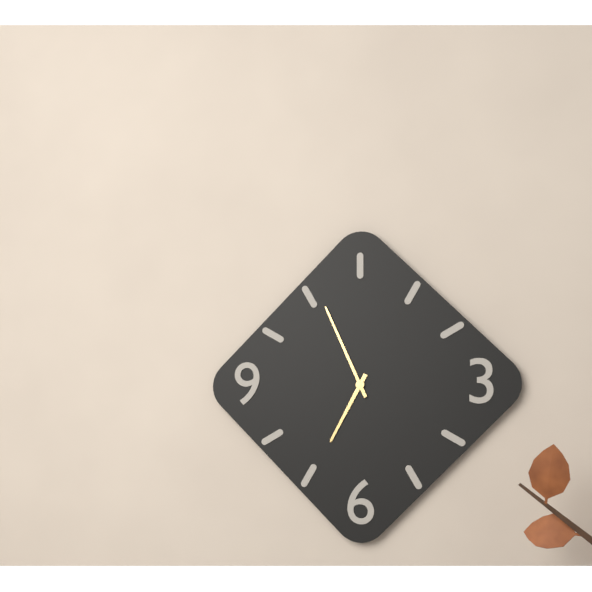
6:56
